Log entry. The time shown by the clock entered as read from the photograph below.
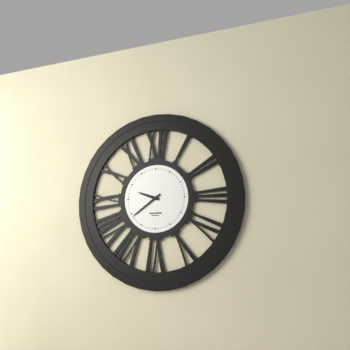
9:39
